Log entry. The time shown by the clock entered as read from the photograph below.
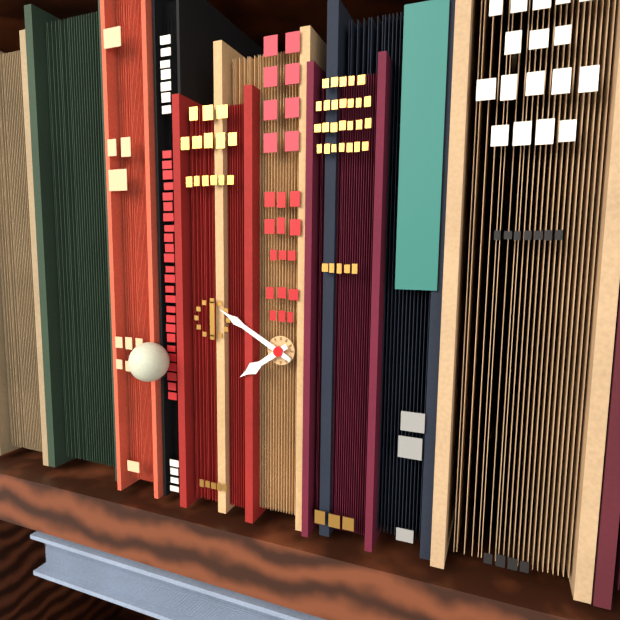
7:50
